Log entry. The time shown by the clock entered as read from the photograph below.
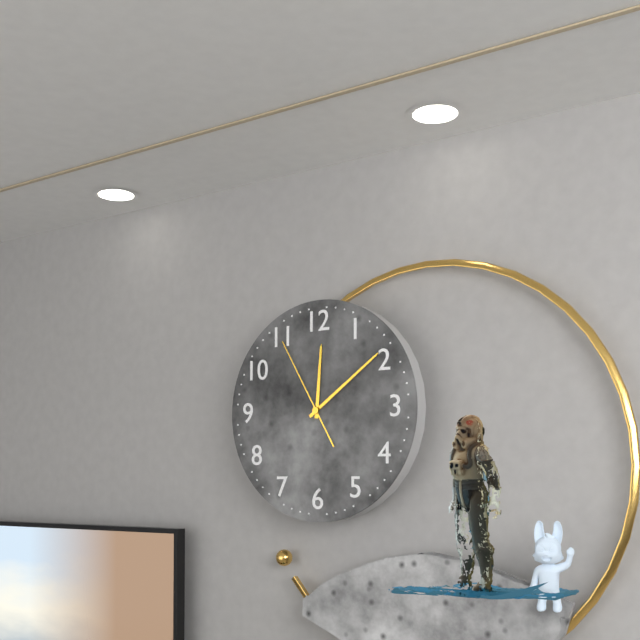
12:09:55
